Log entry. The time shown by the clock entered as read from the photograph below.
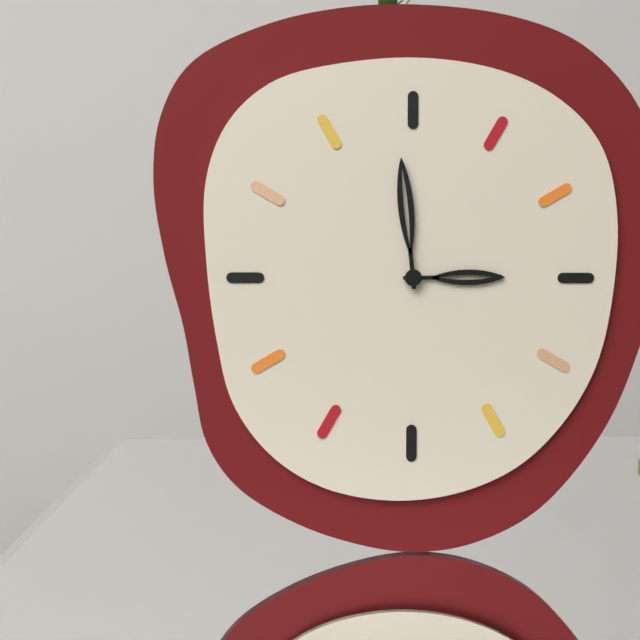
2:59
